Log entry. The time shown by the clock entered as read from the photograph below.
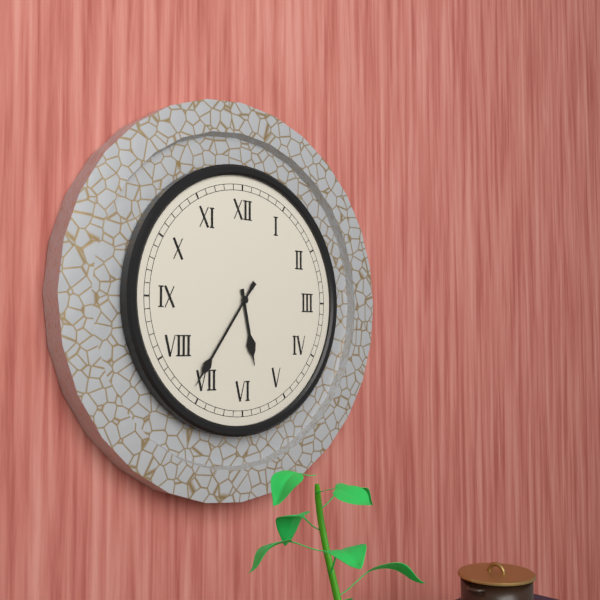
5:36
